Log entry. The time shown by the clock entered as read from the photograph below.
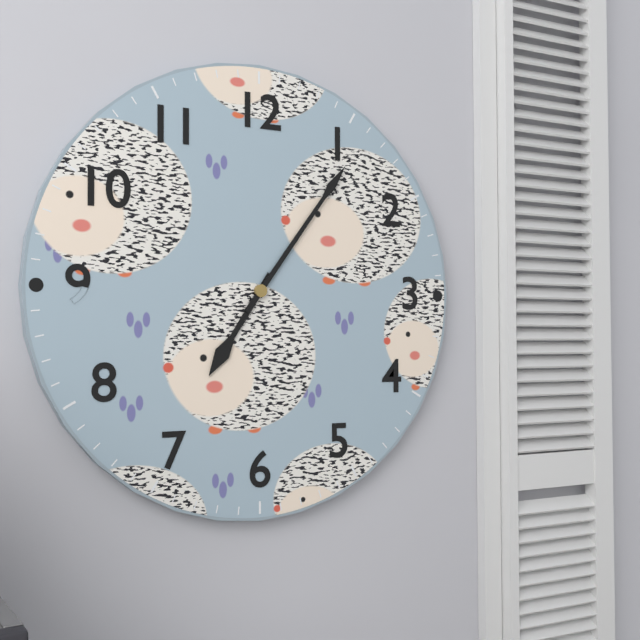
7:06
